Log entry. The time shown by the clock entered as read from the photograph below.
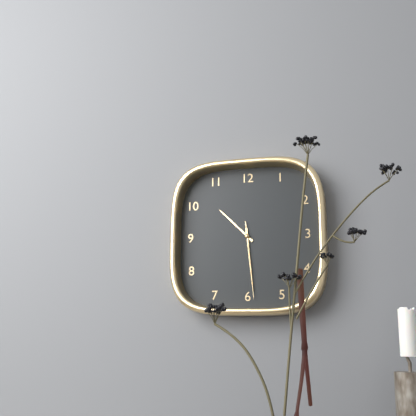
10:29:29
